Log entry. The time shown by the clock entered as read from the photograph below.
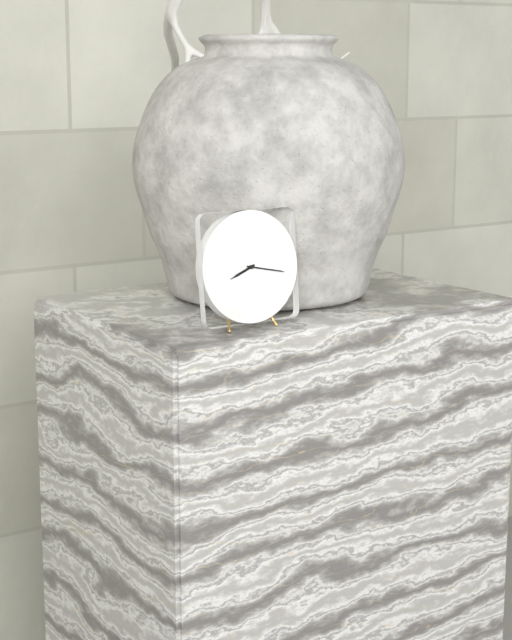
8:17
